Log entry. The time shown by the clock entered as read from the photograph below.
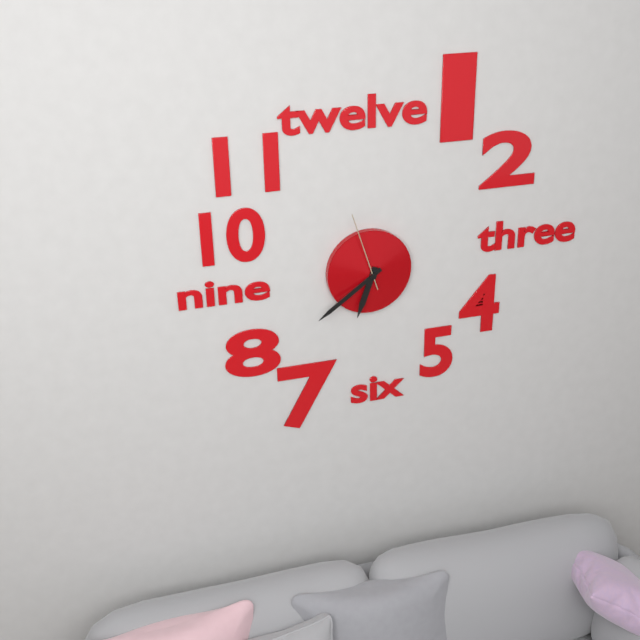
6:39:57
